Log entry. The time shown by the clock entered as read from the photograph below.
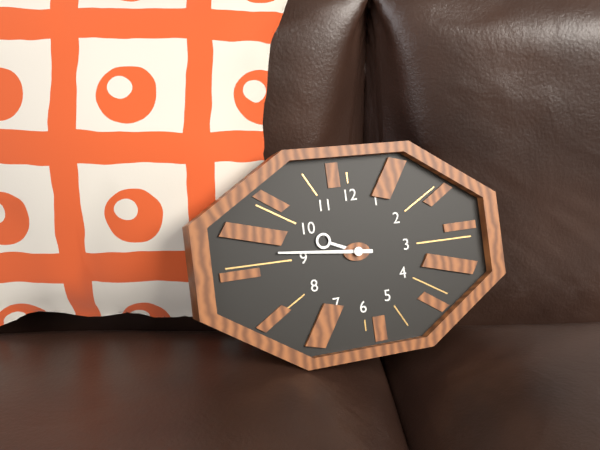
9:46
